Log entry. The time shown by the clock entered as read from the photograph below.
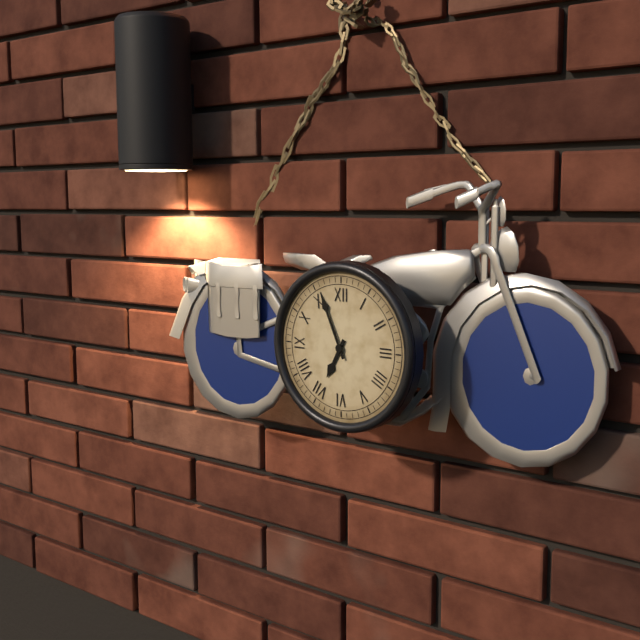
6:56
